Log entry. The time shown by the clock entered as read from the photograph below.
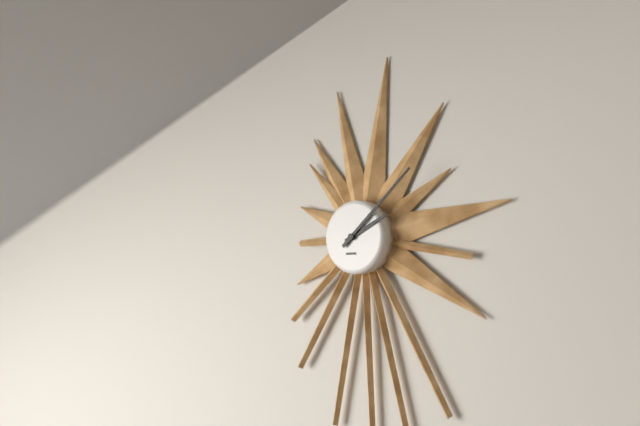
2:08
